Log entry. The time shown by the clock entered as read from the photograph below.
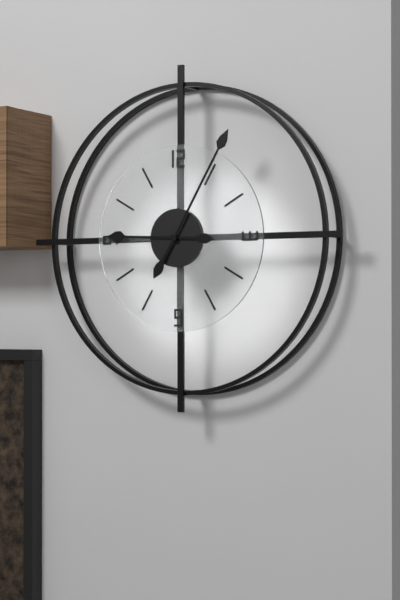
9:05
